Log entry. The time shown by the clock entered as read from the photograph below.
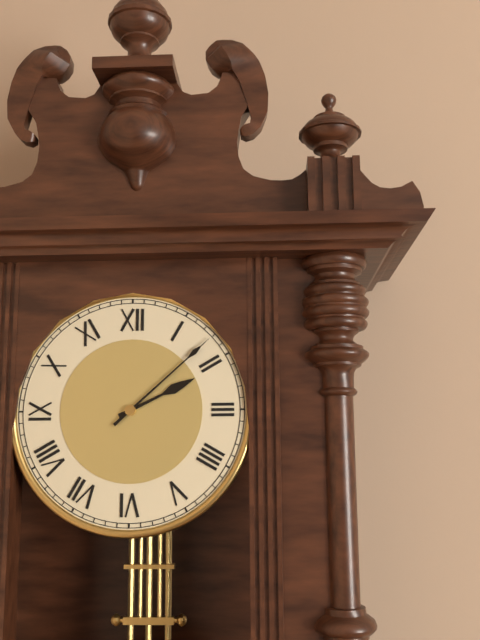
2:08
